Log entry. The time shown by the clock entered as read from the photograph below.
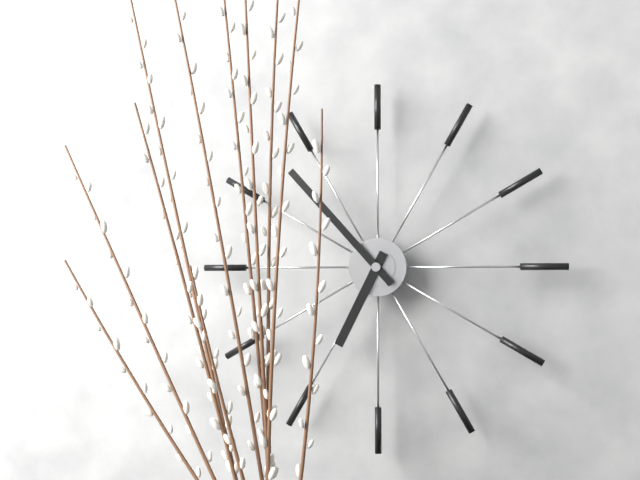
6:53
